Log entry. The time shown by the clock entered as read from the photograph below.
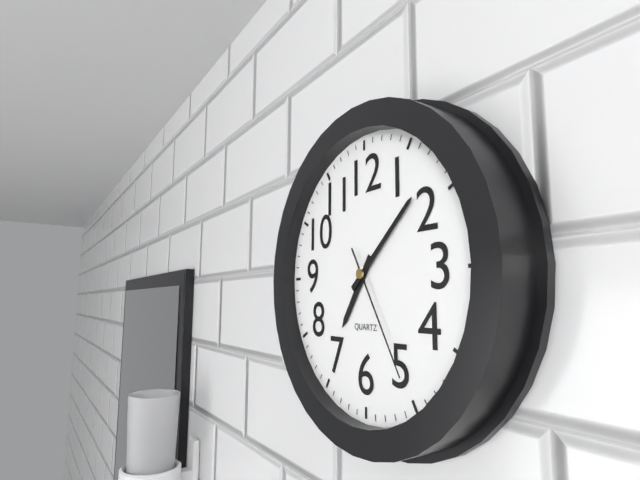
7:08:25
